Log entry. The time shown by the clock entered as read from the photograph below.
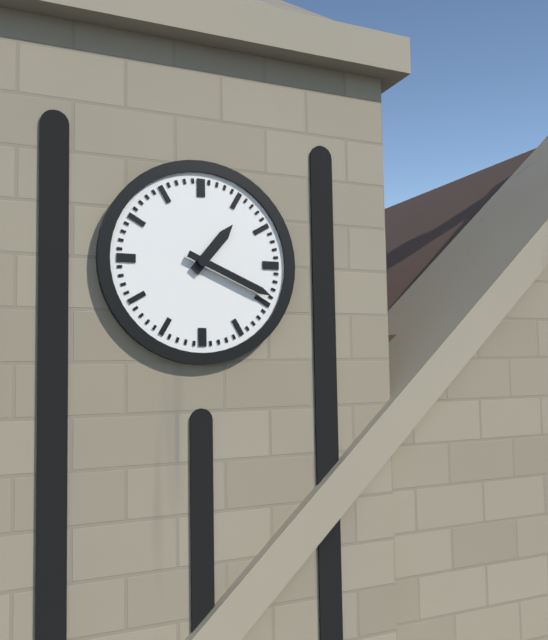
1:19
